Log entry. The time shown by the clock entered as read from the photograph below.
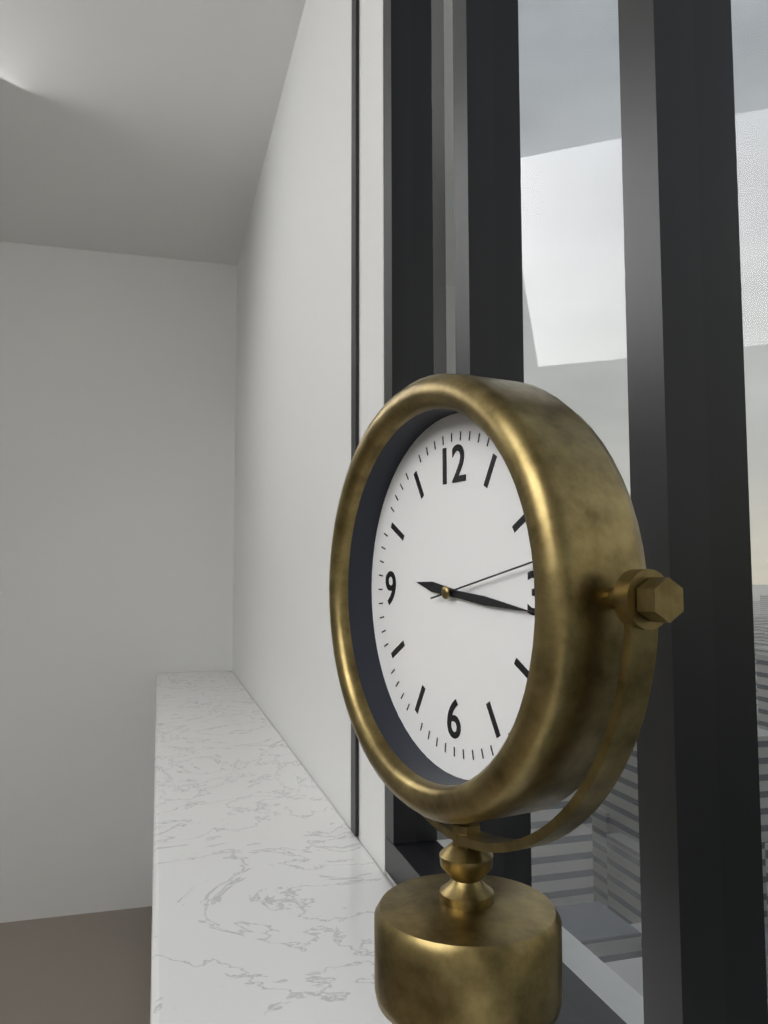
9:16:13
